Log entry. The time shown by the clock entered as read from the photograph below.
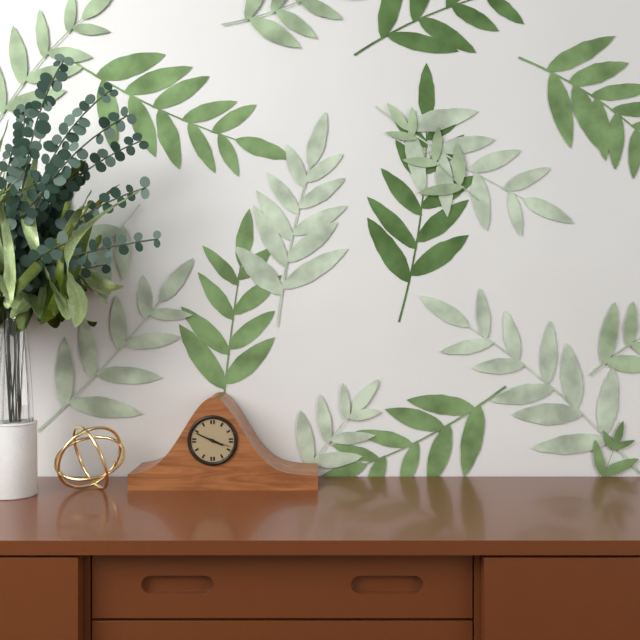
3:49
